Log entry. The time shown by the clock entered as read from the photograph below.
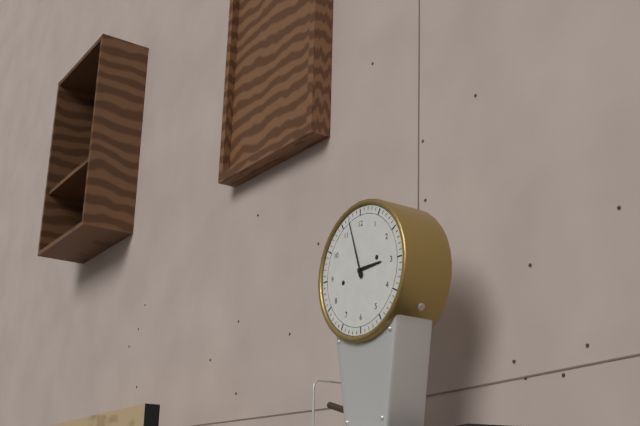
2:57
